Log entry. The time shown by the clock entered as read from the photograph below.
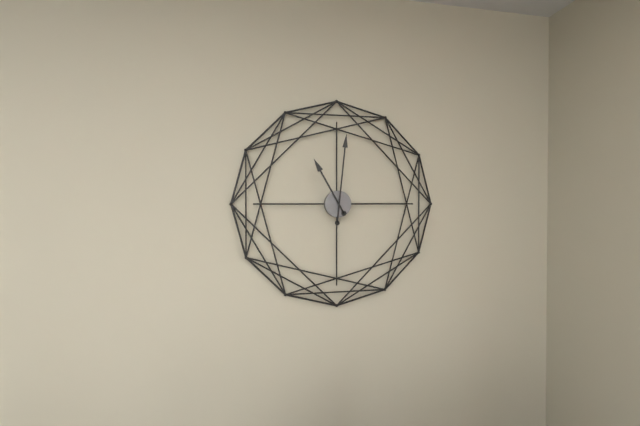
11:01
